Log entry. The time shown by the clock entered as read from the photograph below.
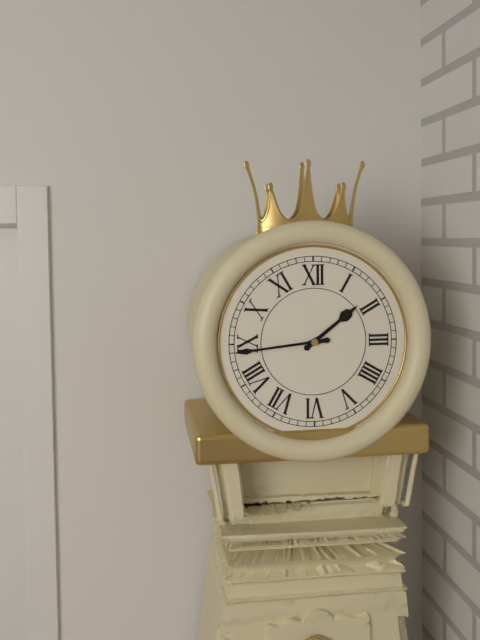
1:44
